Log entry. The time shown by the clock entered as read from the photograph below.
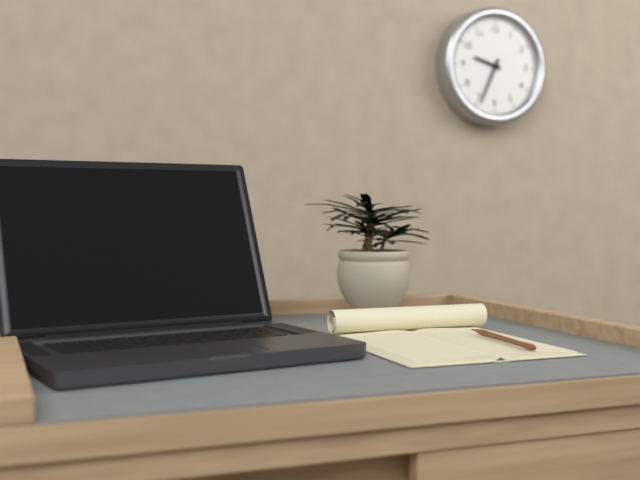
9:34
